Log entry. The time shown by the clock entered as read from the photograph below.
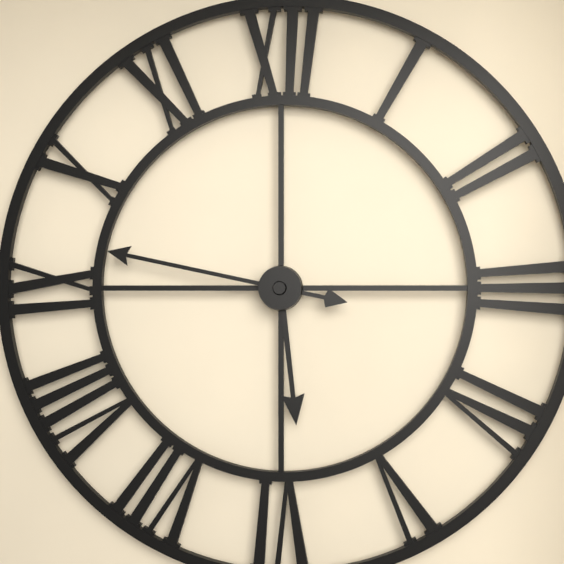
5:47
